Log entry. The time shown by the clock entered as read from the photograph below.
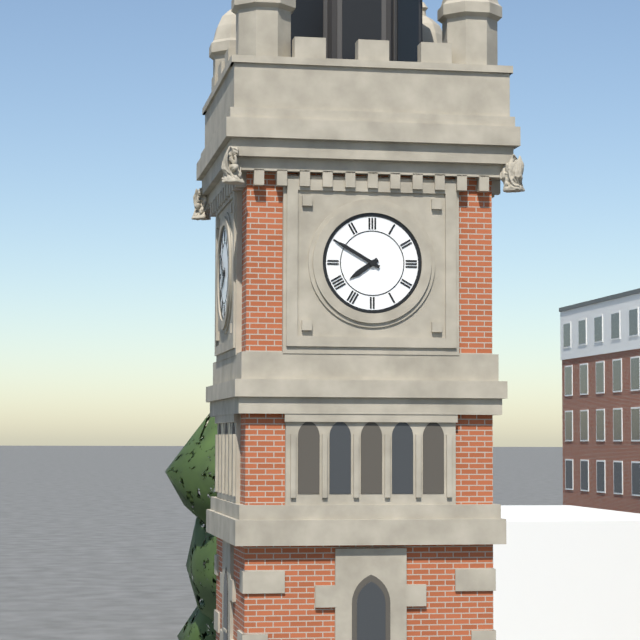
7:50
